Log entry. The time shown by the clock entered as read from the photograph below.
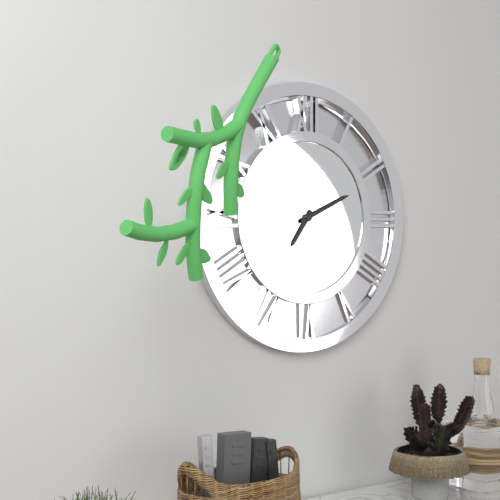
7:11
